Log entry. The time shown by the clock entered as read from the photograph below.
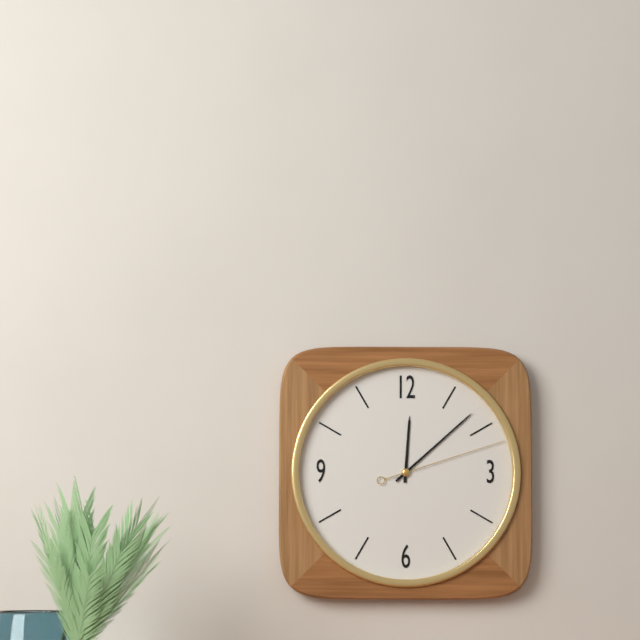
12:08:12
